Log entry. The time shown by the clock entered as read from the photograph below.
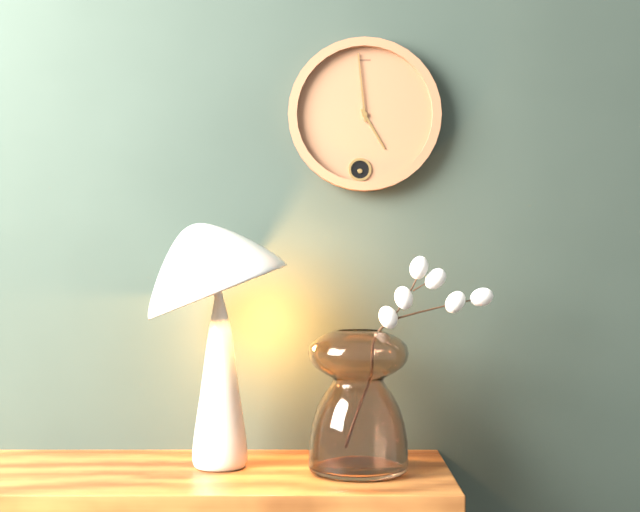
4:59
